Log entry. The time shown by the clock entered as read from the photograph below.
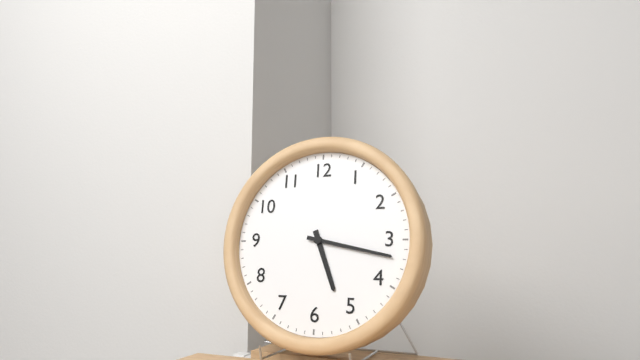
5:17
